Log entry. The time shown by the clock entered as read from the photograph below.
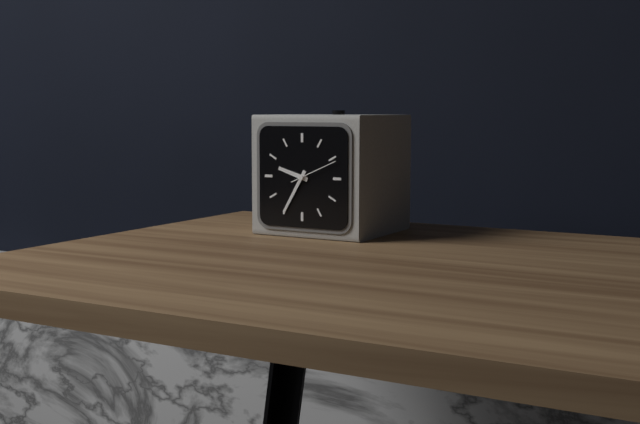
9:35
